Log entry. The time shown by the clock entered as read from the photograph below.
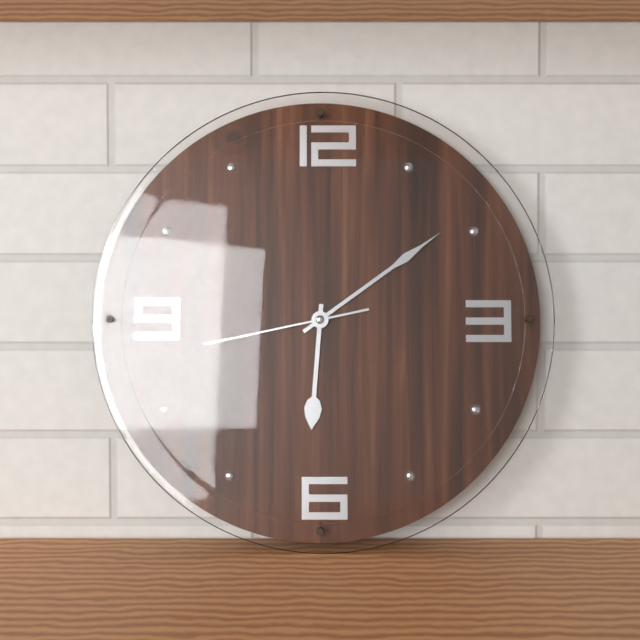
6:09:43
